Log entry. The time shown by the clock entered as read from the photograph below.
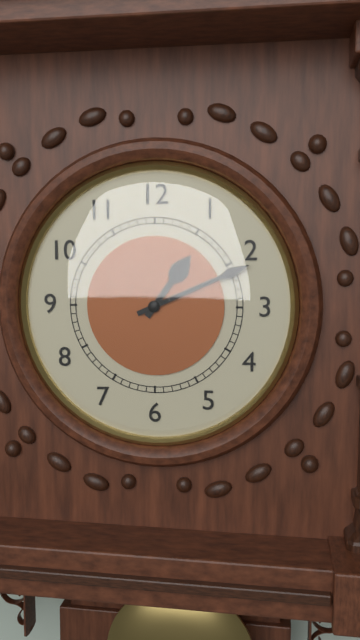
1:11
